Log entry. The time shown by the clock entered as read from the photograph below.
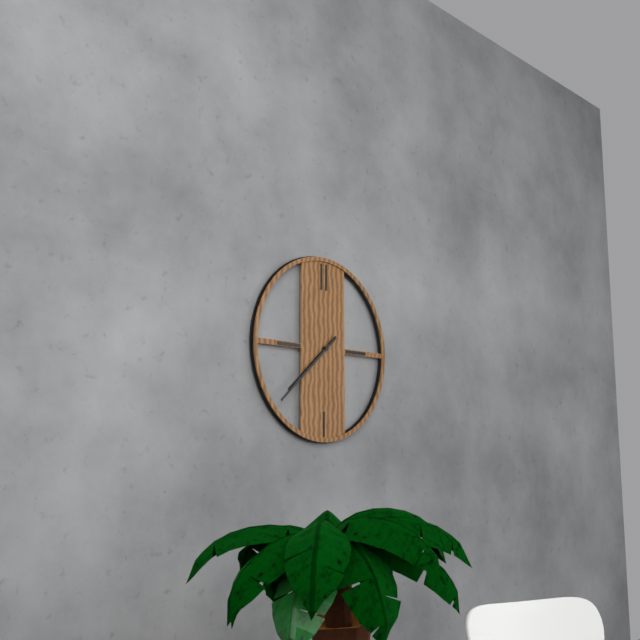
7:38
